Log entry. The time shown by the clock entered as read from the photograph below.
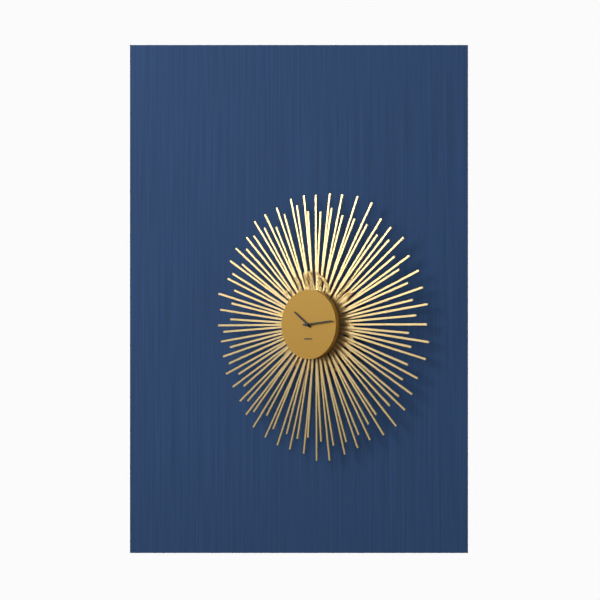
10:14
